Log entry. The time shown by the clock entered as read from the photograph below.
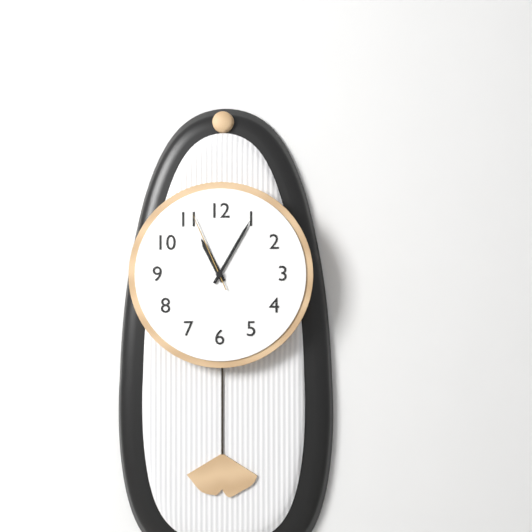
11:05:56
